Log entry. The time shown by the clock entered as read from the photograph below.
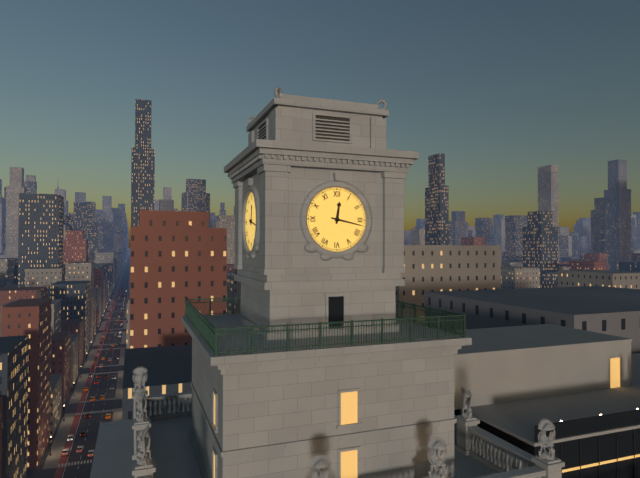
12:17
